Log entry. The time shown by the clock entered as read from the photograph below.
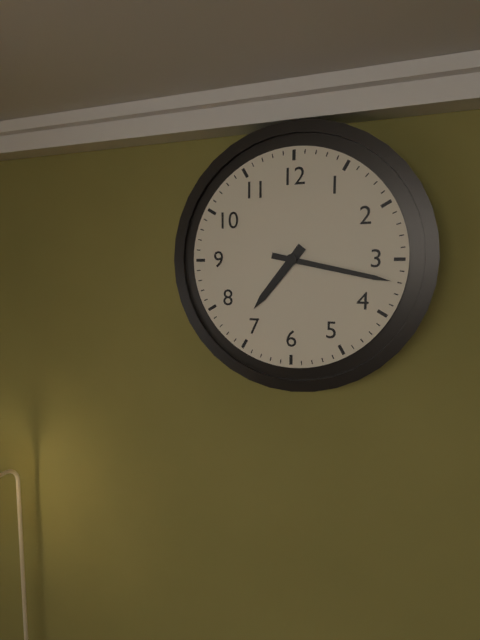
7:17
